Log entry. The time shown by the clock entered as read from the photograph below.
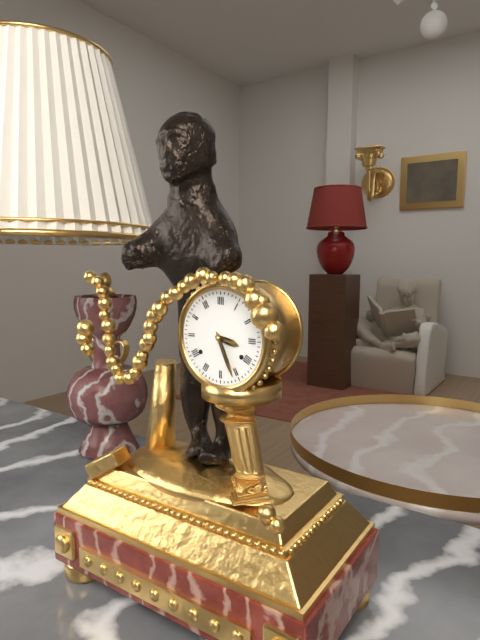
3:26
